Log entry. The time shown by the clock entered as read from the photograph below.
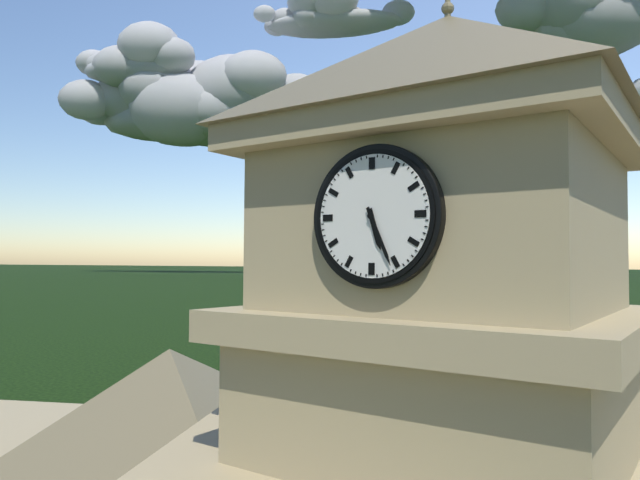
5:26
